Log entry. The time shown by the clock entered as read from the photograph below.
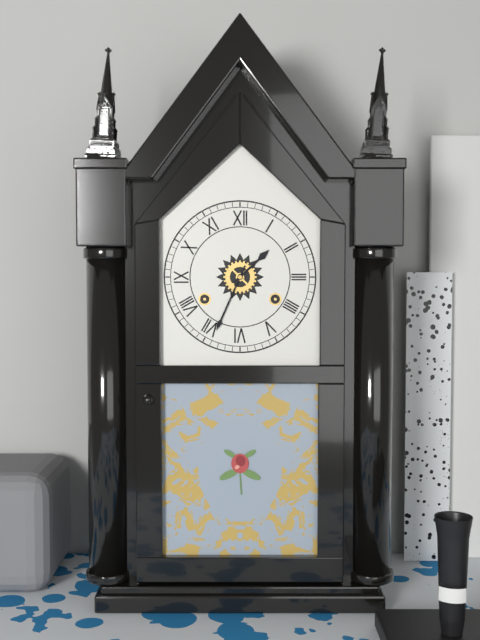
1:34
